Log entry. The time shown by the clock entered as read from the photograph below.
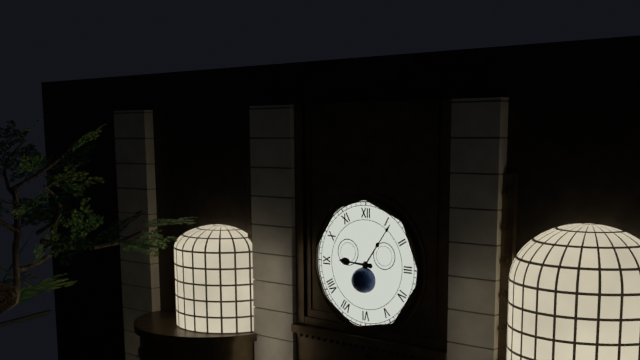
9:06
